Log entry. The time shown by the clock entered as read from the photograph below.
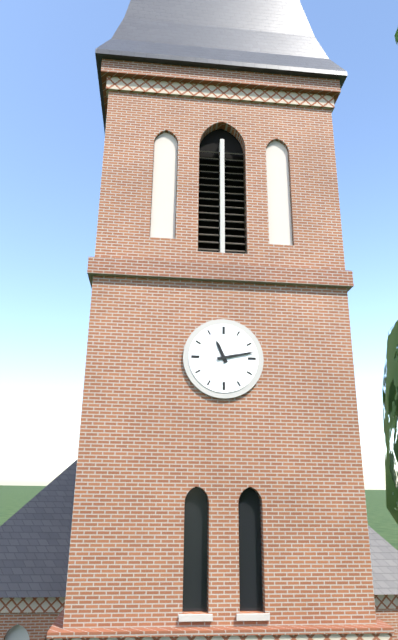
11:13
